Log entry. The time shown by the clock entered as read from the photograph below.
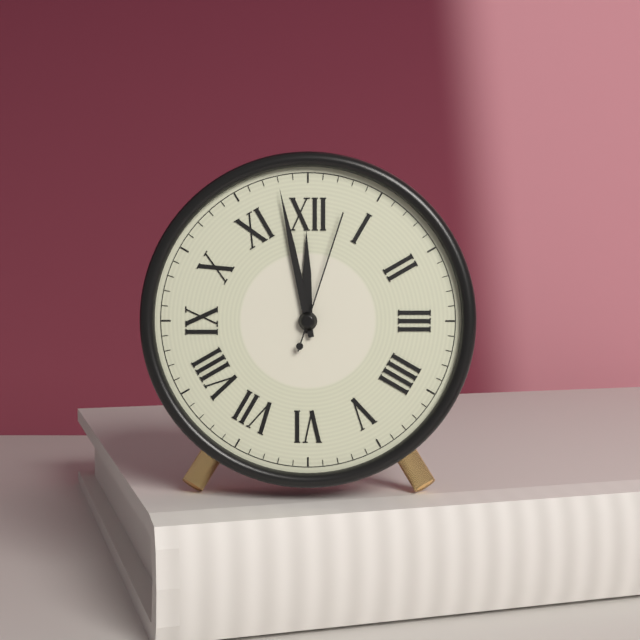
11:58:03
